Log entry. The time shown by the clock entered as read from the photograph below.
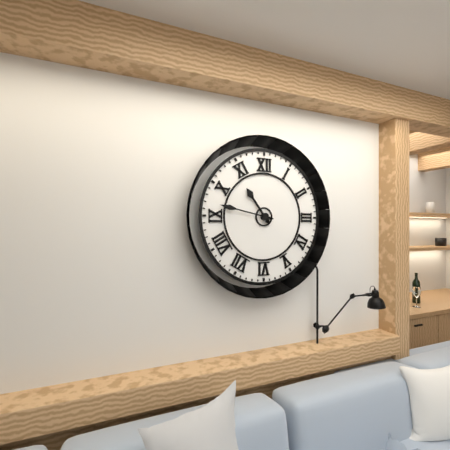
10:47
